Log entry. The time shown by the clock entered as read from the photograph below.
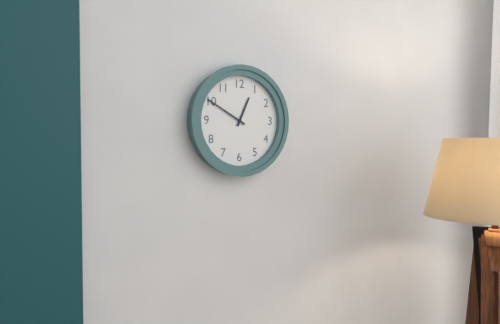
12:50
